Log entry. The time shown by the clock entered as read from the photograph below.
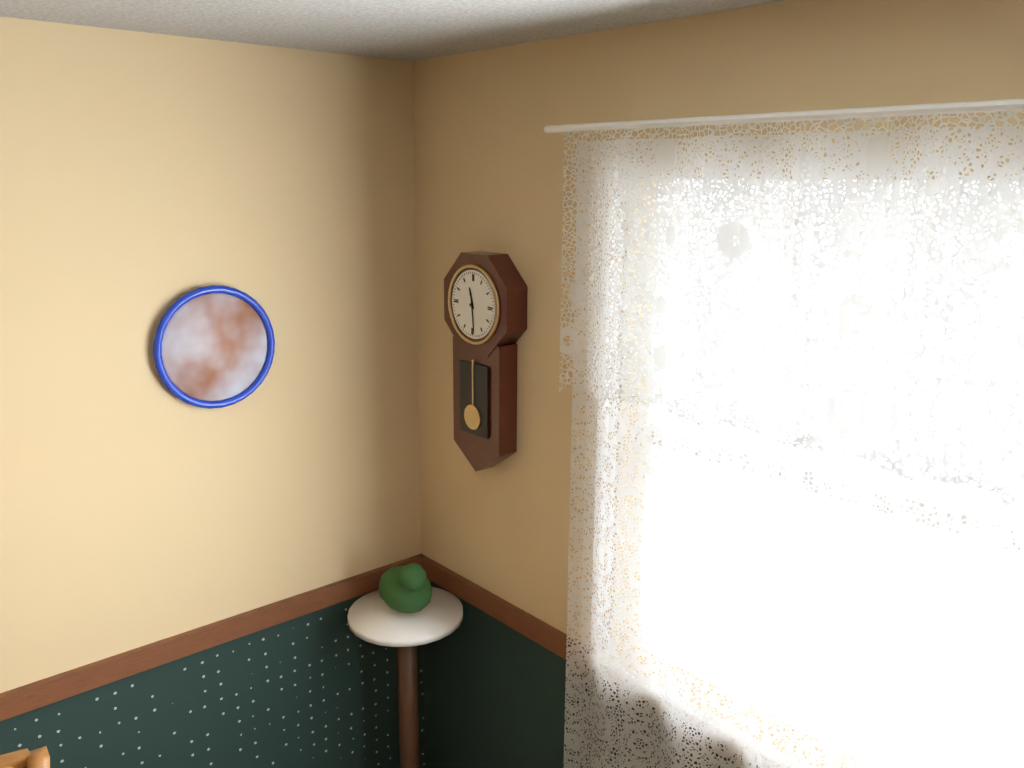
11:29
